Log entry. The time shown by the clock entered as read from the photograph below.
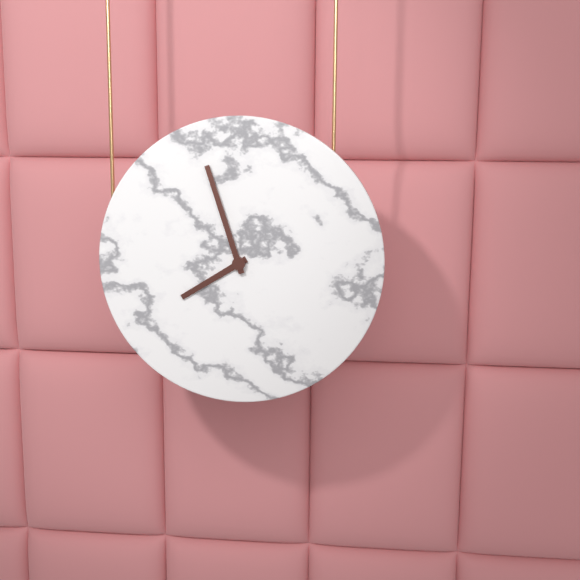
7:57
